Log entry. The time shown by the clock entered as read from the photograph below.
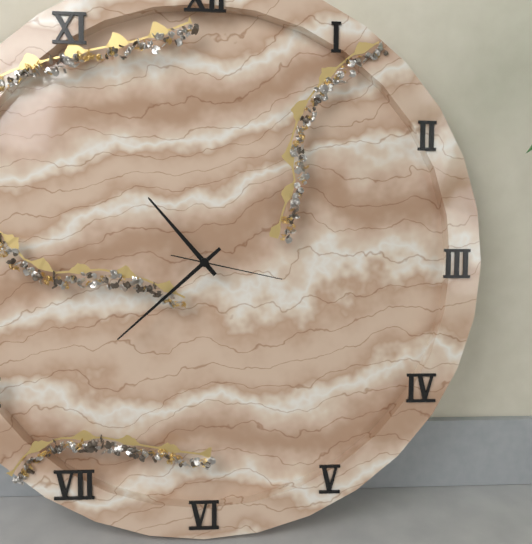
10:38:17
